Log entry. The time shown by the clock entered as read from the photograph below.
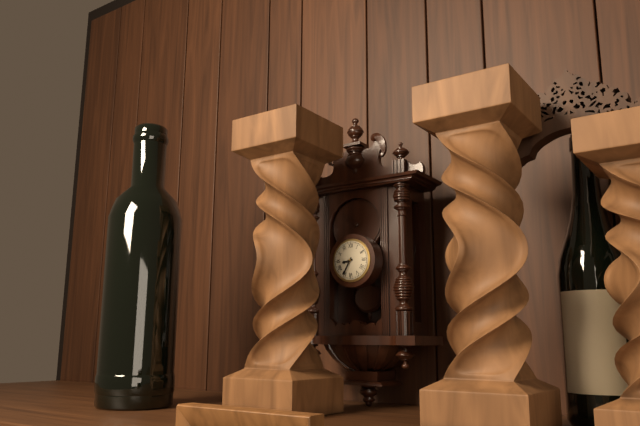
8:35
